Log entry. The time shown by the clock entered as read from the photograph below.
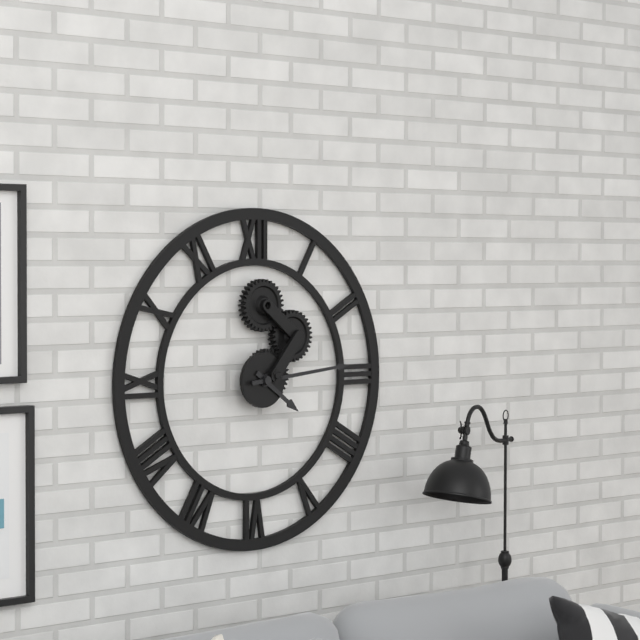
4:14
